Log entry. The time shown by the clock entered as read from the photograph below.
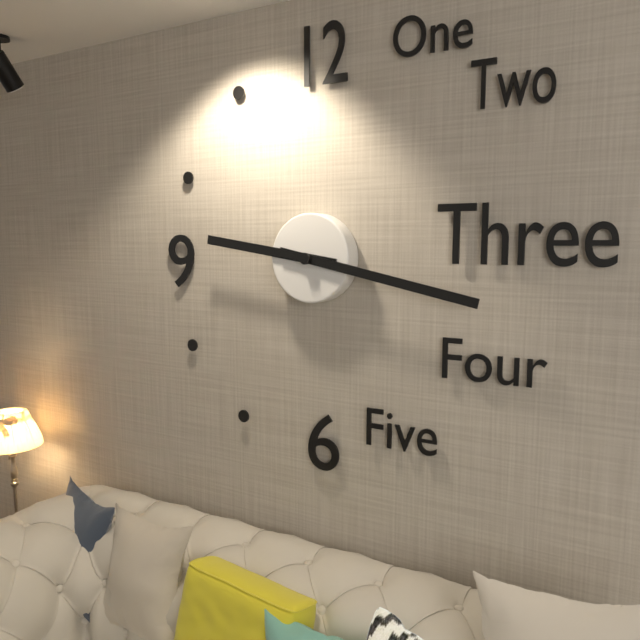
9:17
